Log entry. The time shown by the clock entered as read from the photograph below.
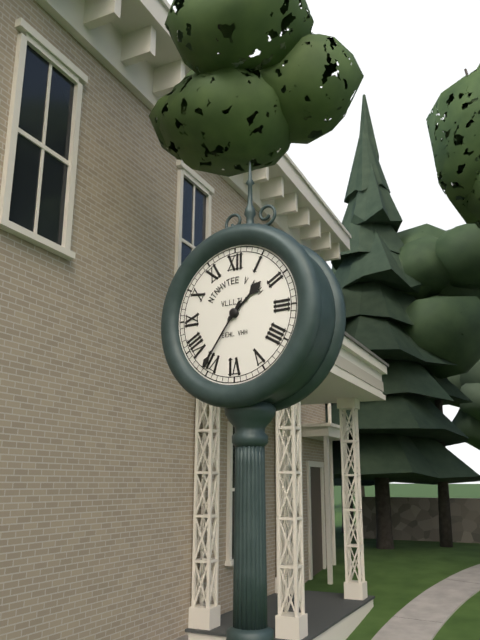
1:36
